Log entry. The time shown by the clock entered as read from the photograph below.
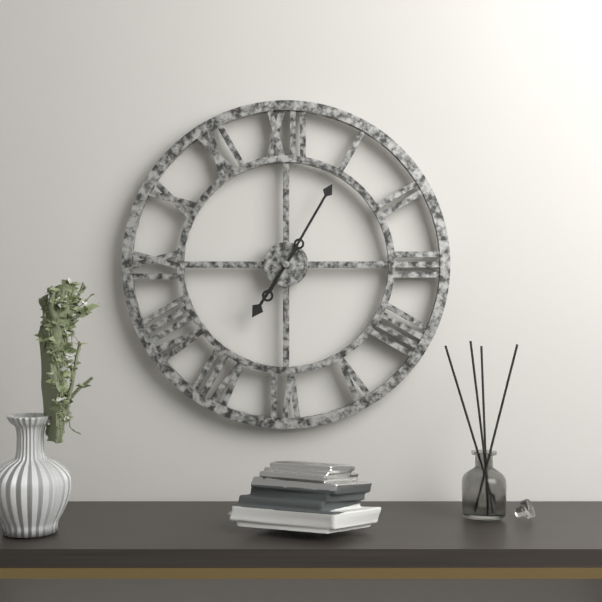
7:05
